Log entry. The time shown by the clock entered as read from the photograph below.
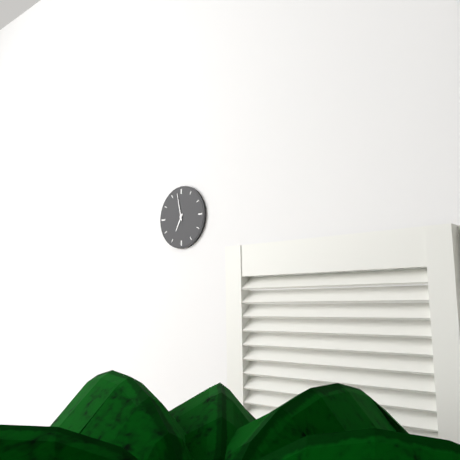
6:58
